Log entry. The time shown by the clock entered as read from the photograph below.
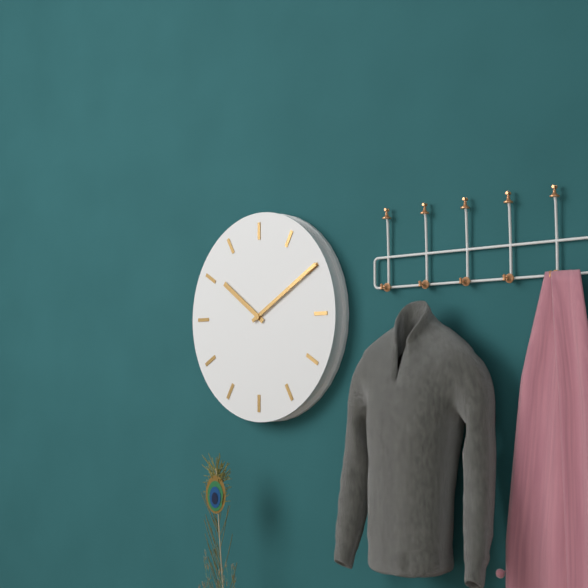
10:10
